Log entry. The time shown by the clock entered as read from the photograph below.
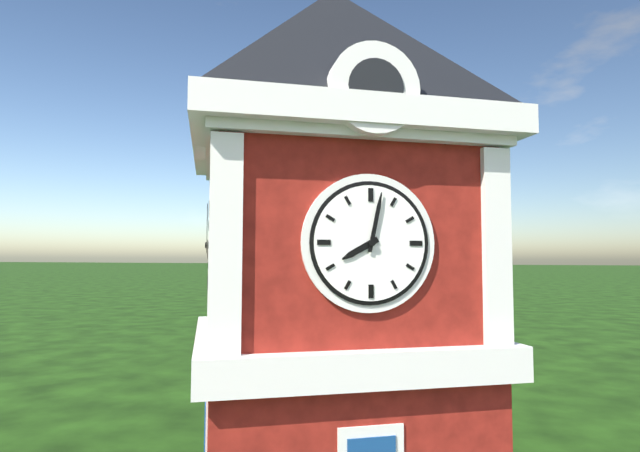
8:02
